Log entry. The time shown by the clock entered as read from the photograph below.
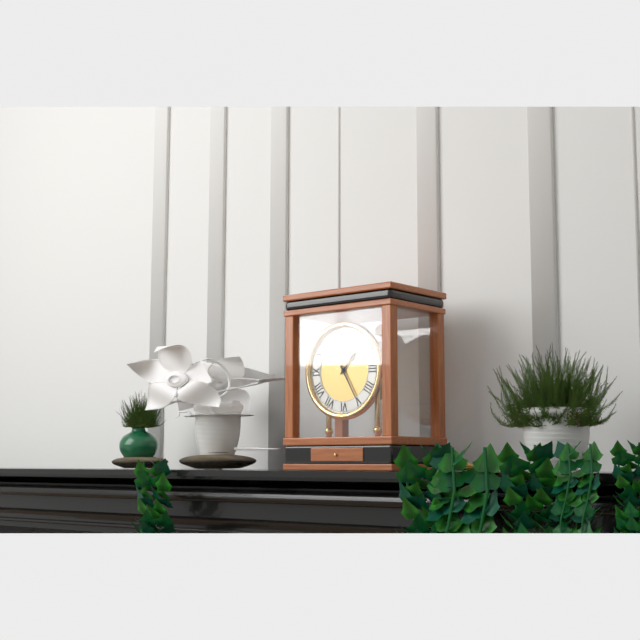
1:25
